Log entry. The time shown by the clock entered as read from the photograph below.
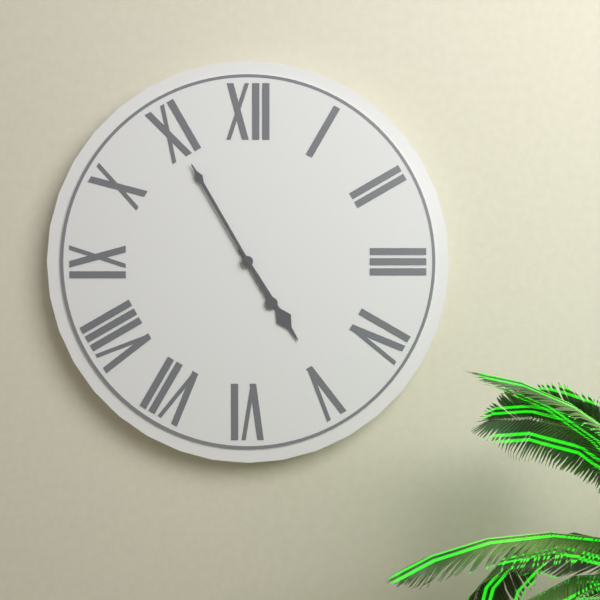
4:55
